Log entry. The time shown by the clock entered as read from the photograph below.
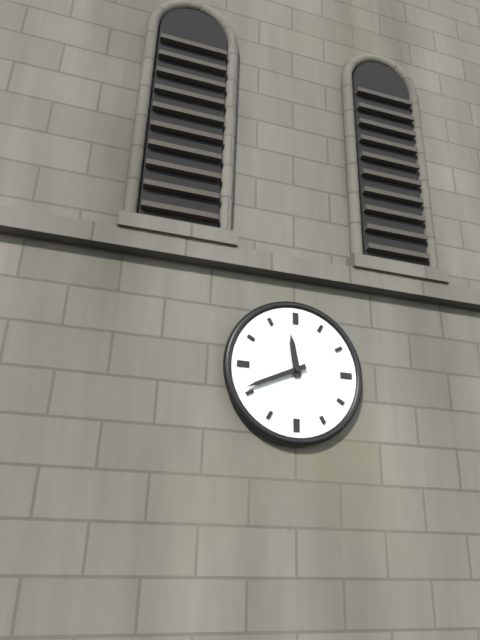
11:41
